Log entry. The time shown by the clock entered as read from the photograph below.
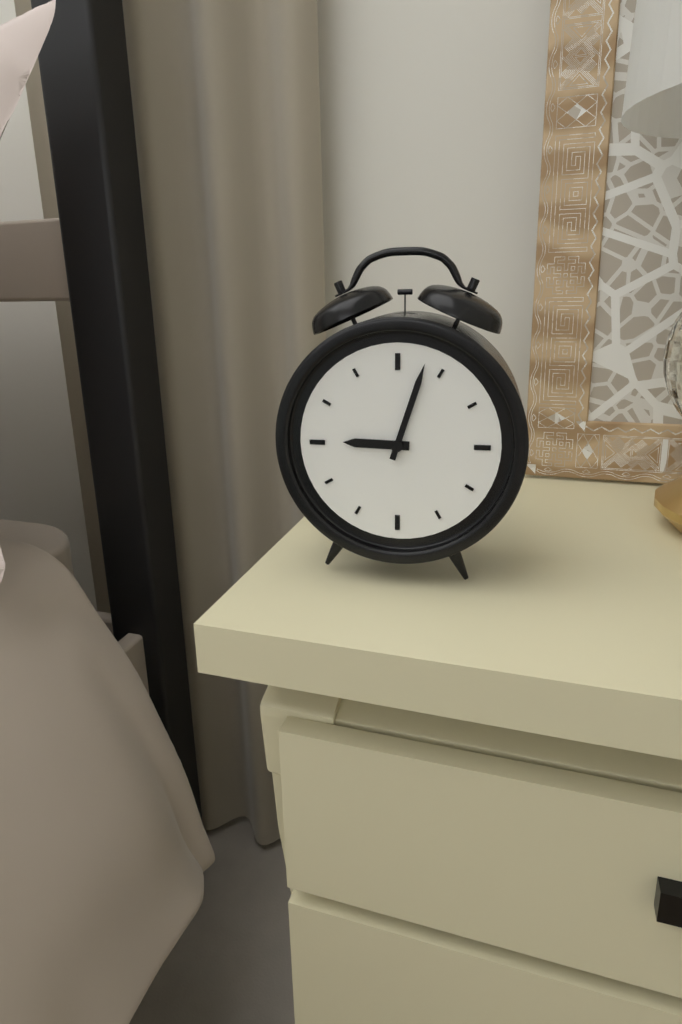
9:03
